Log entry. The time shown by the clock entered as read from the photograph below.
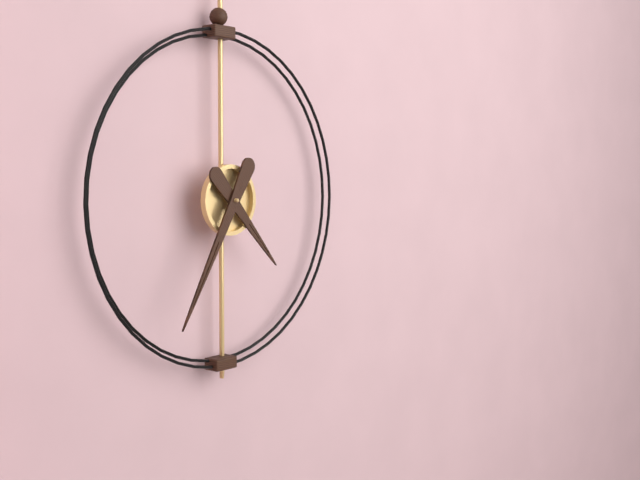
4:35
